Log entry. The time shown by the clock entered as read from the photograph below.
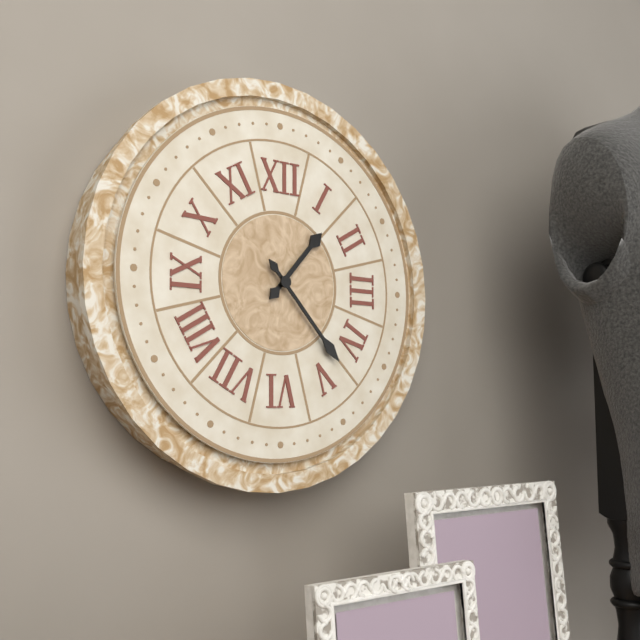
1:23
